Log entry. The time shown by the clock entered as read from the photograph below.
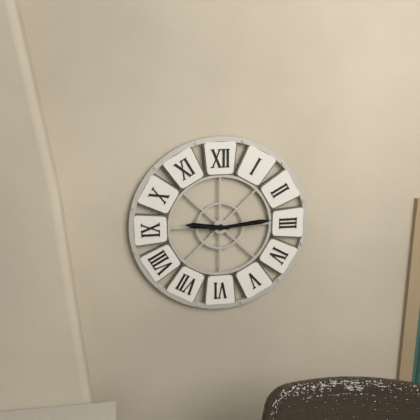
9:14
